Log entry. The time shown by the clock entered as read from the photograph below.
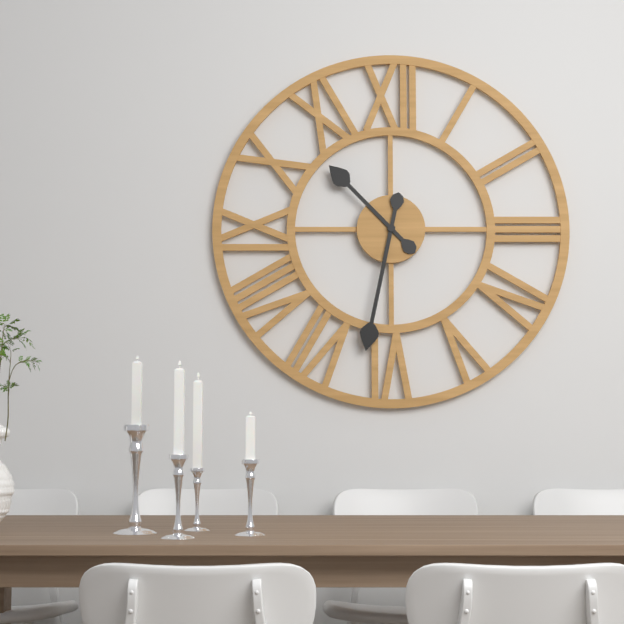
10:32
